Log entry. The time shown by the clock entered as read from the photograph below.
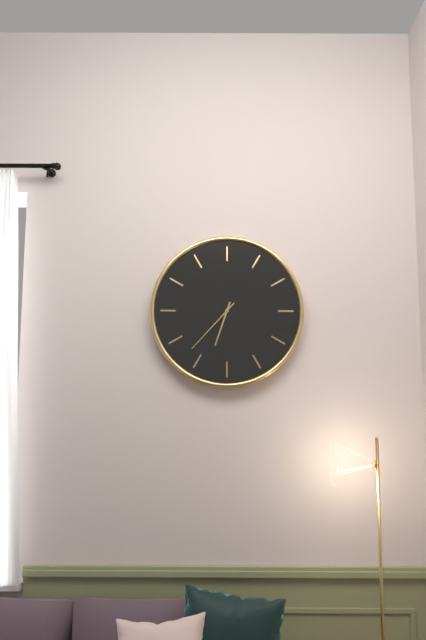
6:37
